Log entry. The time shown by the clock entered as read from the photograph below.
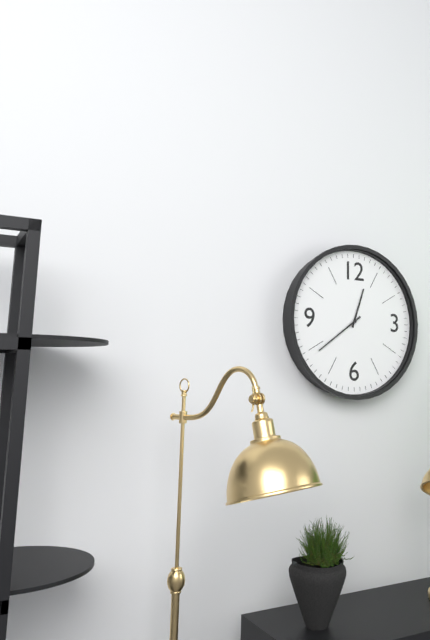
12:39
